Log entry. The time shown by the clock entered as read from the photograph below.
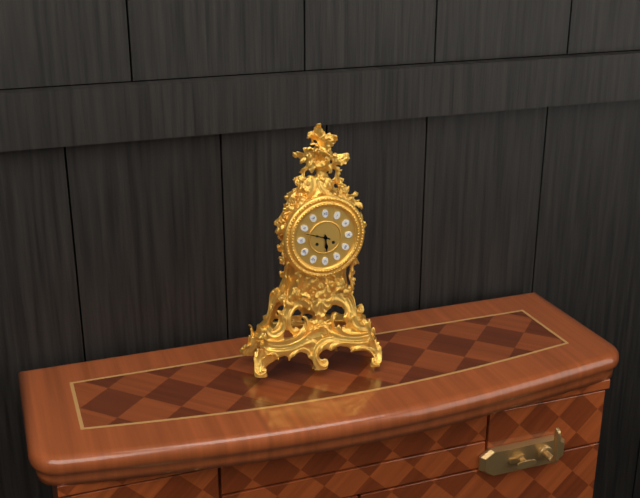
5:48
